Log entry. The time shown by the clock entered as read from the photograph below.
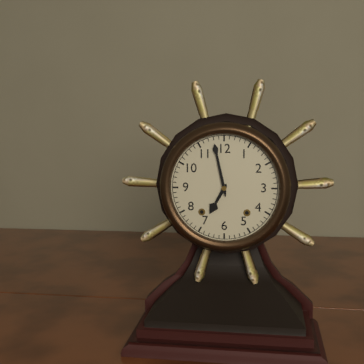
6:58
